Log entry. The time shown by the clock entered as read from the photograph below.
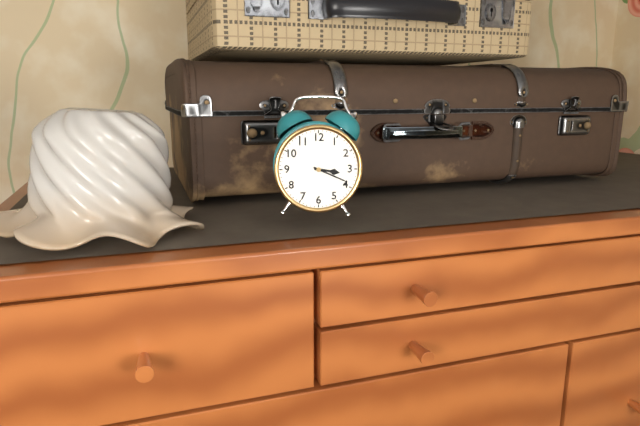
3:19
